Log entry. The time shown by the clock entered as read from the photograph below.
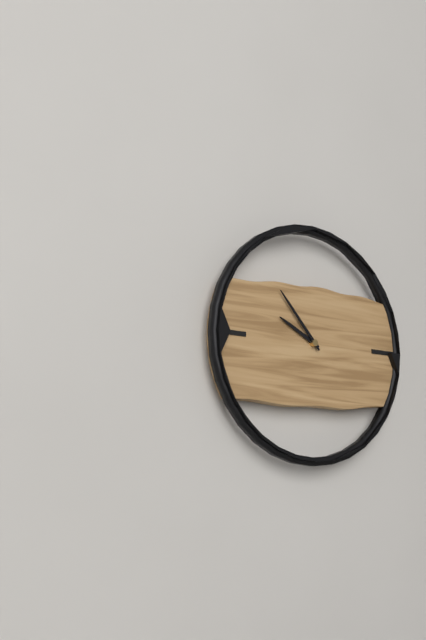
9:53
